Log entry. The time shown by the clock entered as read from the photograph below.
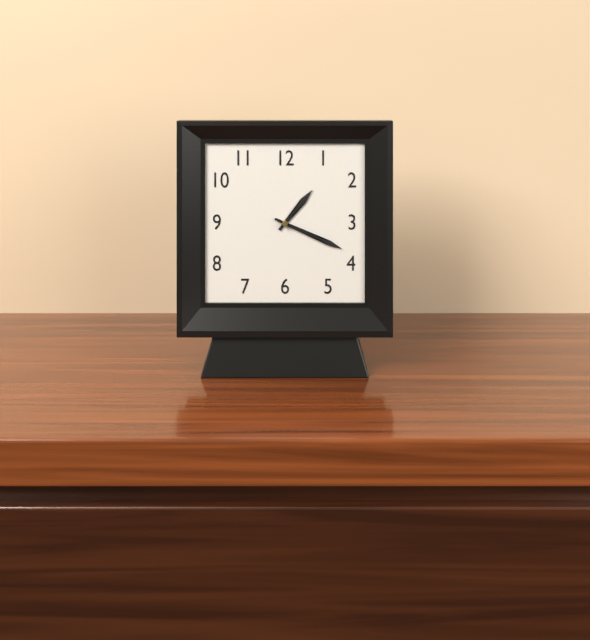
1:19
